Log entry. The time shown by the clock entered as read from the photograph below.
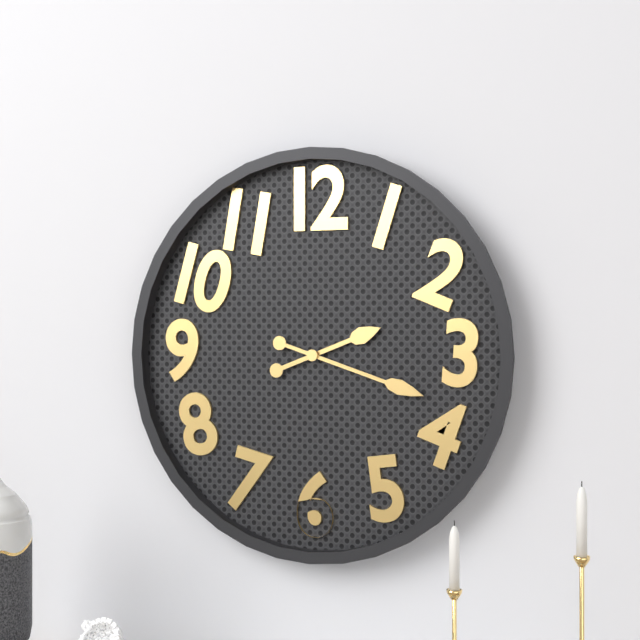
2:18
